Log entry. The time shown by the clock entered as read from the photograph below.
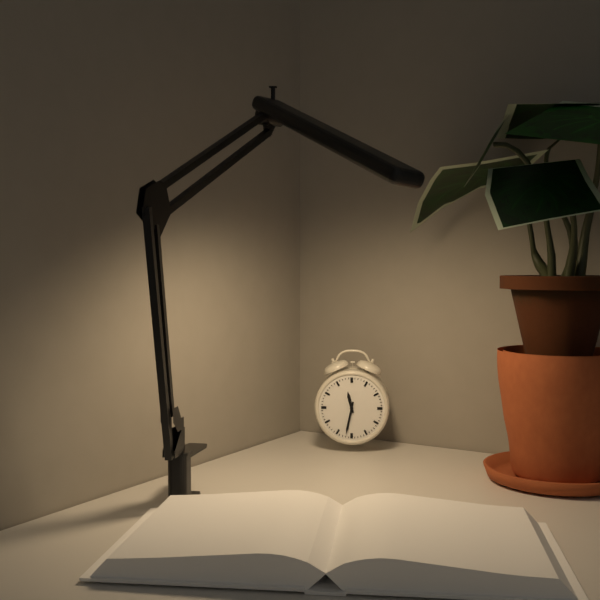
11:32
